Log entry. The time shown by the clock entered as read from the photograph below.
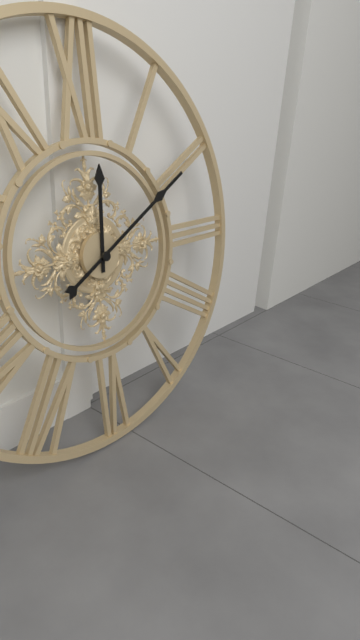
12:10
